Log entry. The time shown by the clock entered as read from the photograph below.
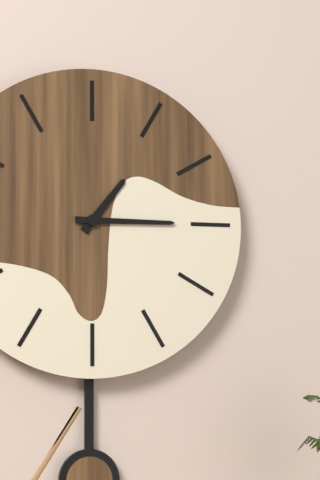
1:15
